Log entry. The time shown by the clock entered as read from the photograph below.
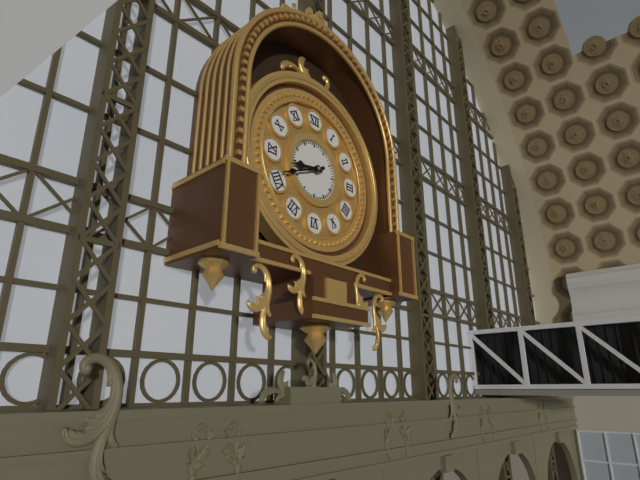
8:41
